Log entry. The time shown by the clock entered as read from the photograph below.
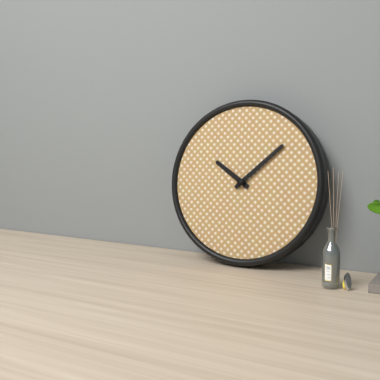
10:08
